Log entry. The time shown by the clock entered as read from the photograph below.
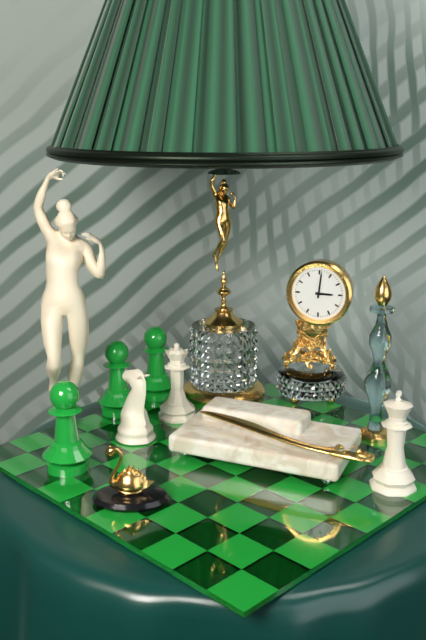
3:01
